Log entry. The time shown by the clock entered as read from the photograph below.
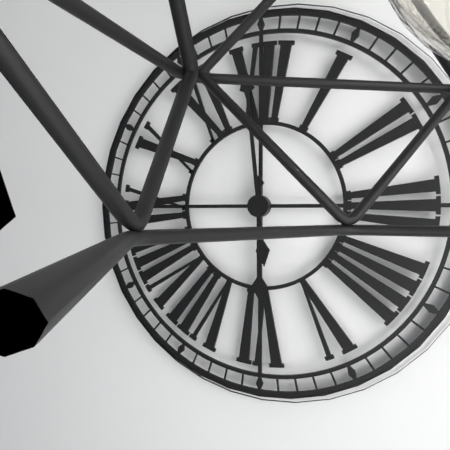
5:59
